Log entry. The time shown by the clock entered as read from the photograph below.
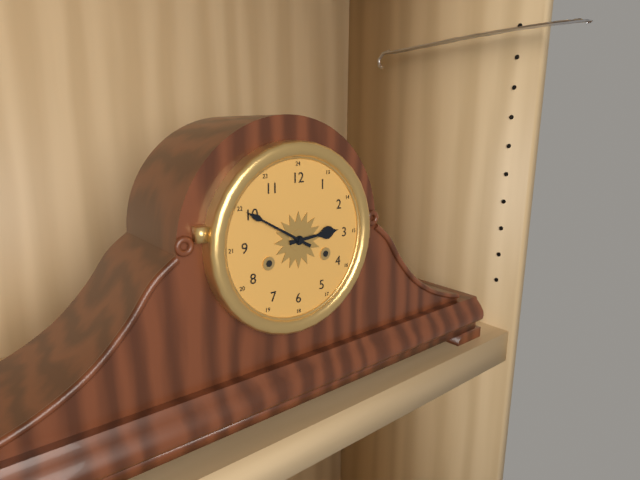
2:50
